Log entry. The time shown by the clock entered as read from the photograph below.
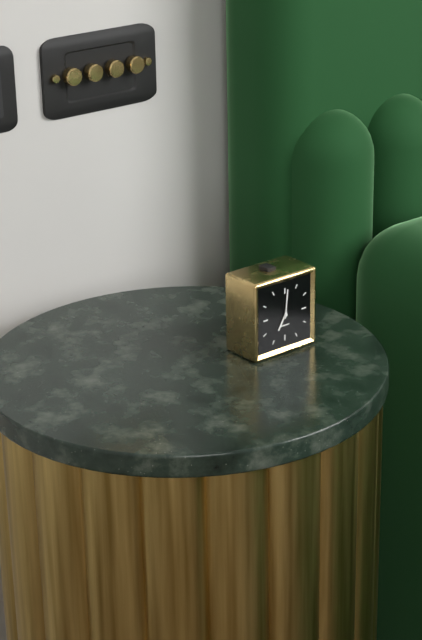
7:01
